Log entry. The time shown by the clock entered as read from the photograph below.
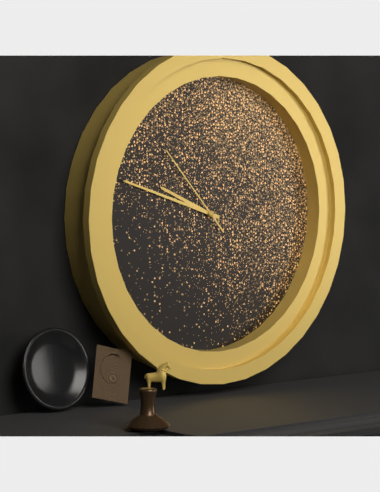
9:48:53
